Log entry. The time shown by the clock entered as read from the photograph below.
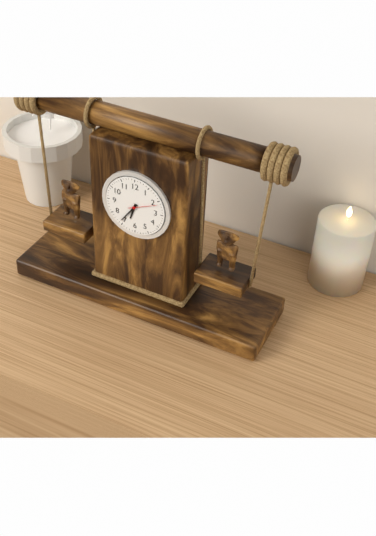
6:36
